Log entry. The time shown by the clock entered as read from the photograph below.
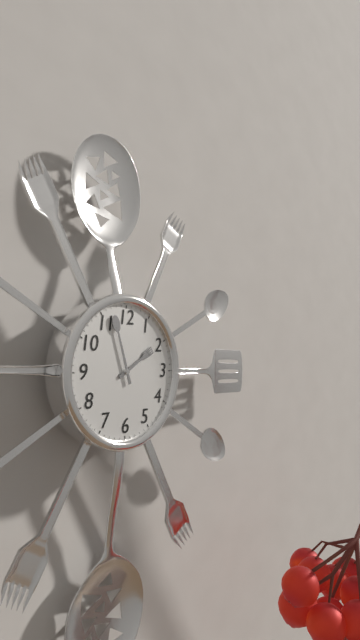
1:57
